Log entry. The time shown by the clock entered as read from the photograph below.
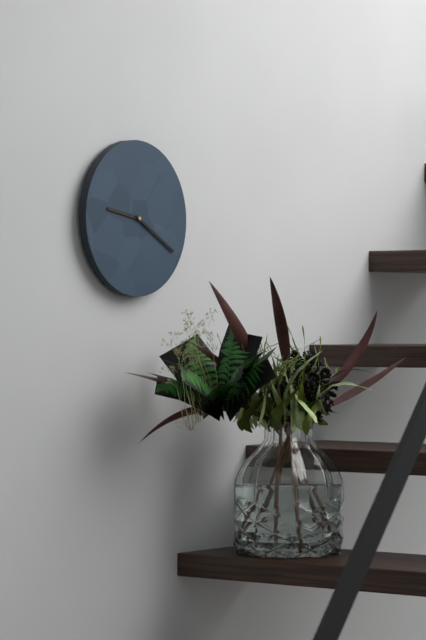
9:20
